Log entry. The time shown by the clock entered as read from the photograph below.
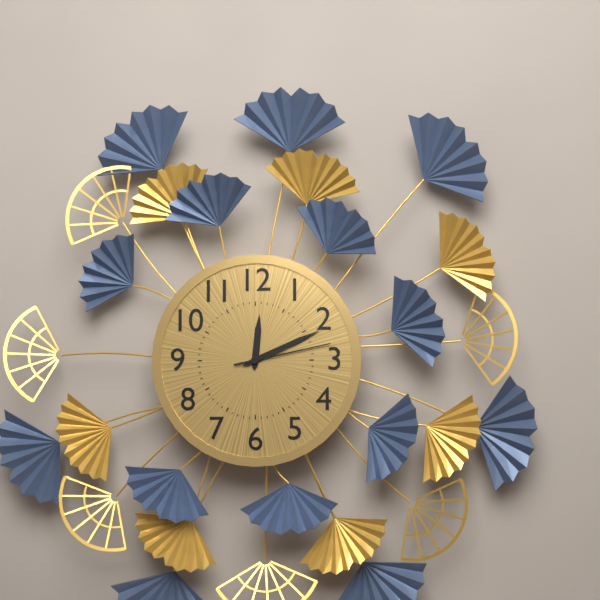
12:11:13
